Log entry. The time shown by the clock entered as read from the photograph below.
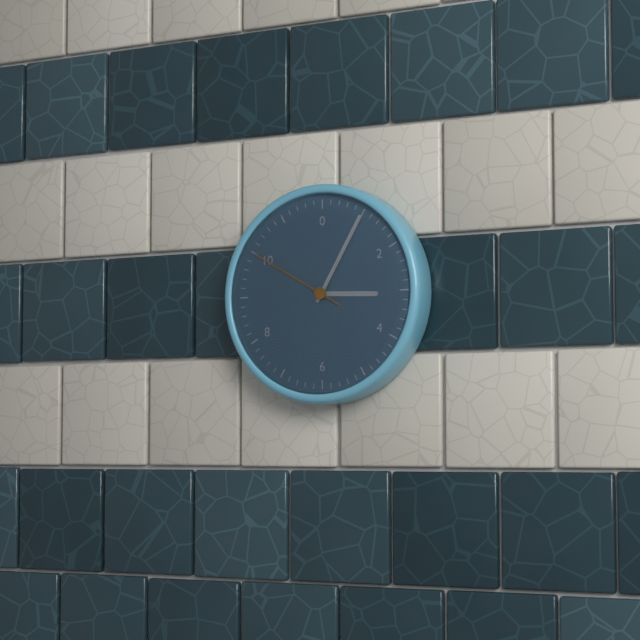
3:05:50
